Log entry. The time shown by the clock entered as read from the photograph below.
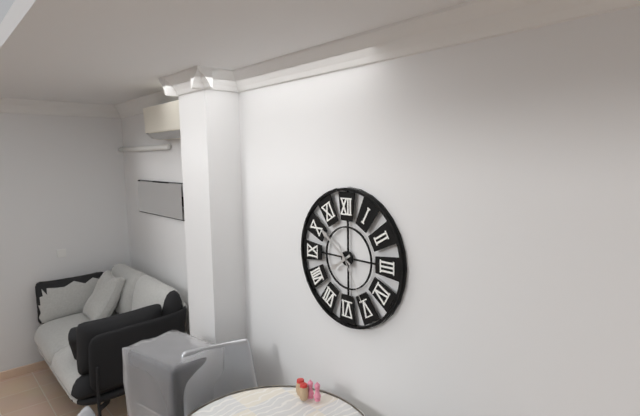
7:51:25
